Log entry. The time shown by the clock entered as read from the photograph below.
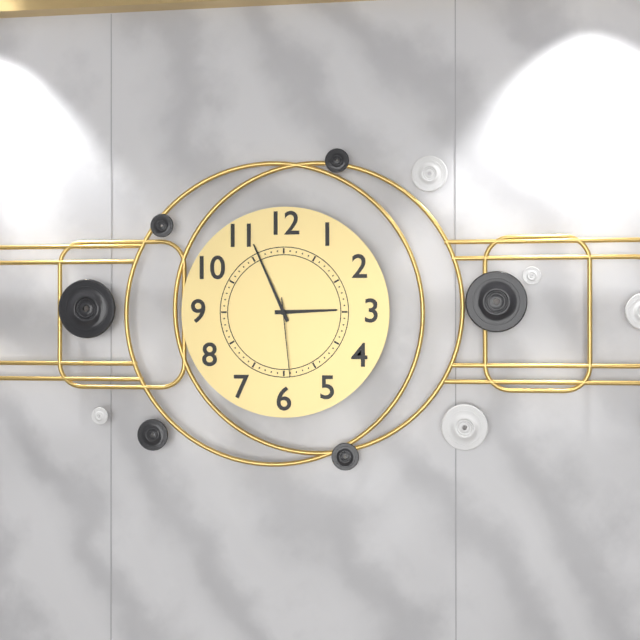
2:56:29
